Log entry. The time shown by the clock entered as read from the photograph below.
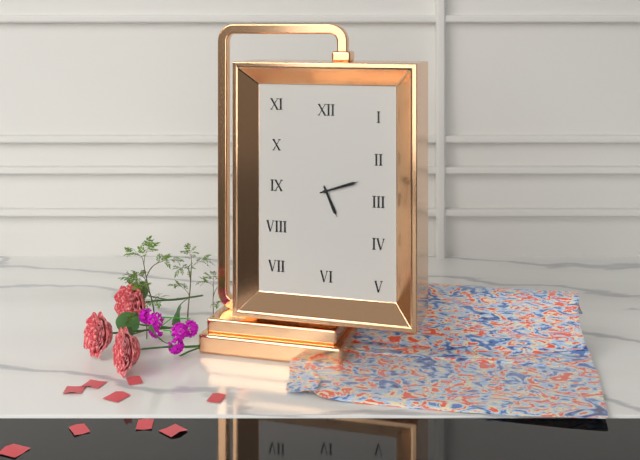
5:12
